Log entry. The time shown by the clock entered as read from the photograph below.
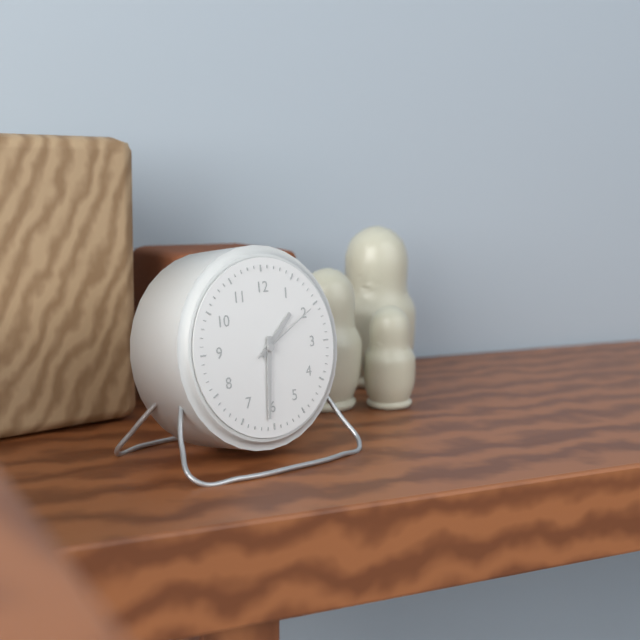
1:31:10
